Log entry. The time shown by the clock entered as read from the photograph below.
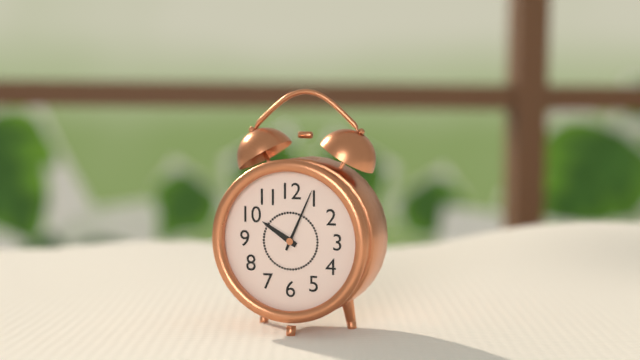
10:04
